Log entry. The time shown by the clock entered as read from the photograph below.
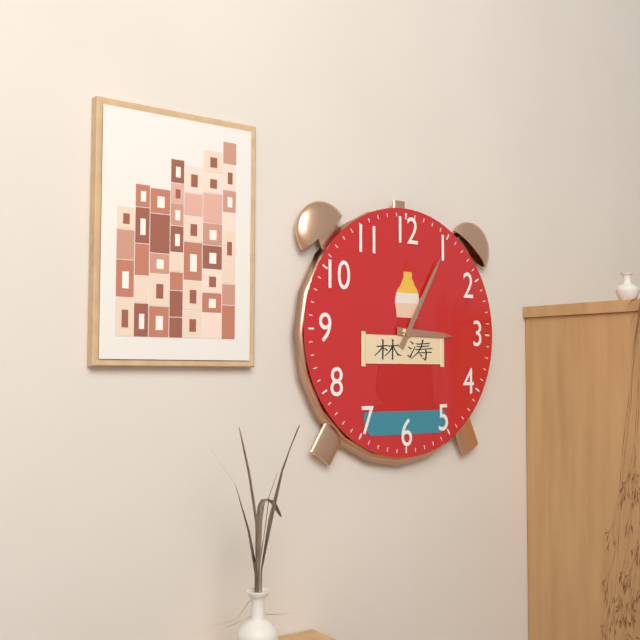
3:05
